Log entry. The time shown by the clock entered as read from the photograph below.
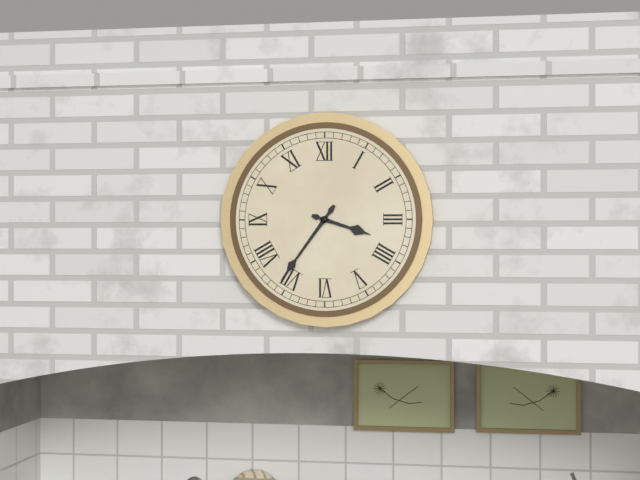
3:36
